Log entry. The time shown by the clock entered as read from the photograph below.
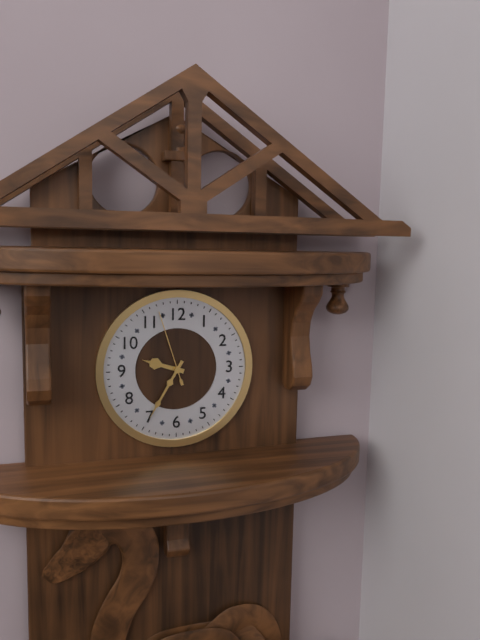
9:35:57
